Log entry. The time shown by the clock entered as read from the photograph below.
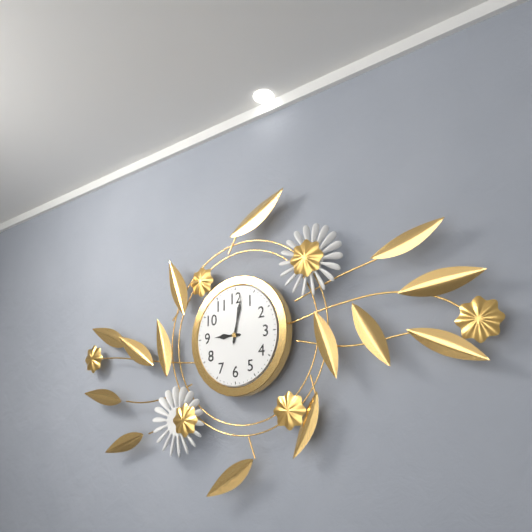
9:02
